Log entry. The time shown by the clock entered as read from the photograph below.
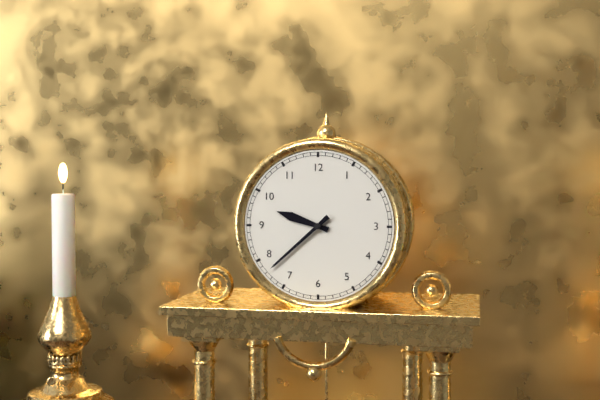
9:38
